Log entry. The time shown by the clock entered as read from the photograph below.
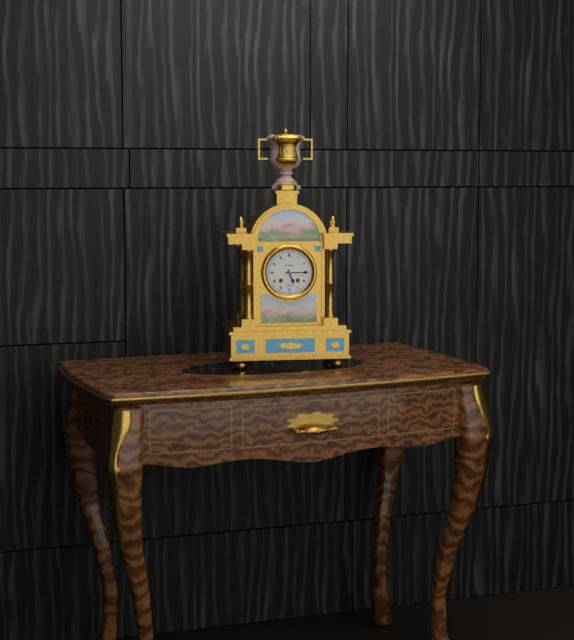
5:15
